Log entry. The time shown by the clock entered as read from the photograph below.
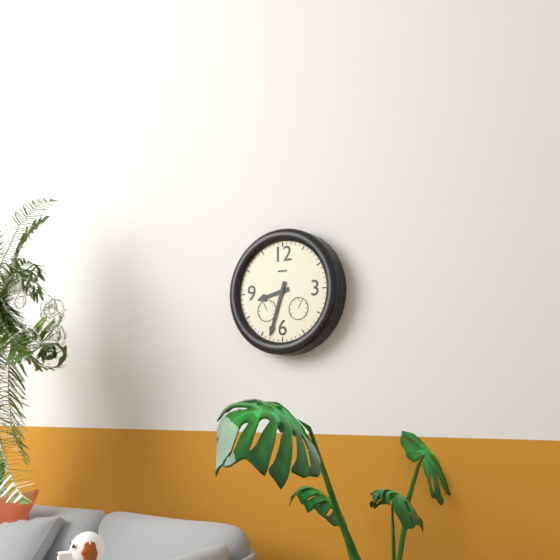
8:33
